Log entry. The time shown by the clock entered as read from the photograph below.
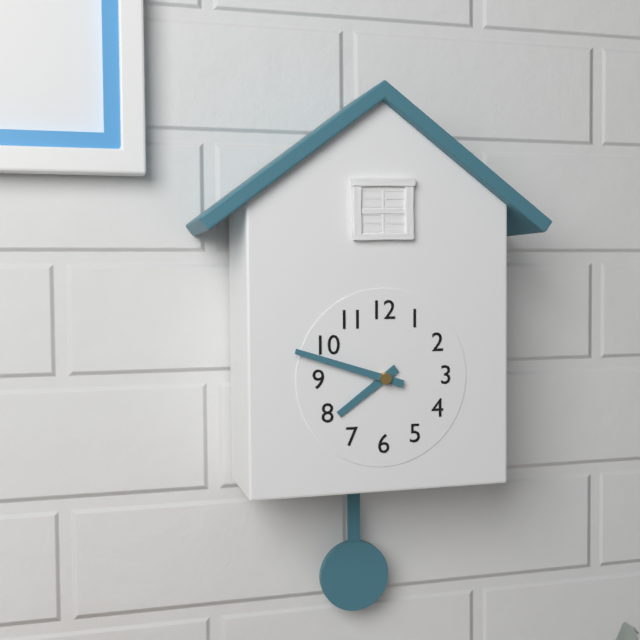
7:48
